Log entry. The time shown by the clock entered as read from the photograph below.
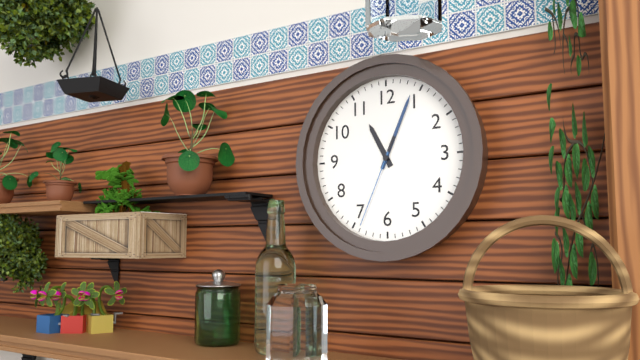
11:04:34
